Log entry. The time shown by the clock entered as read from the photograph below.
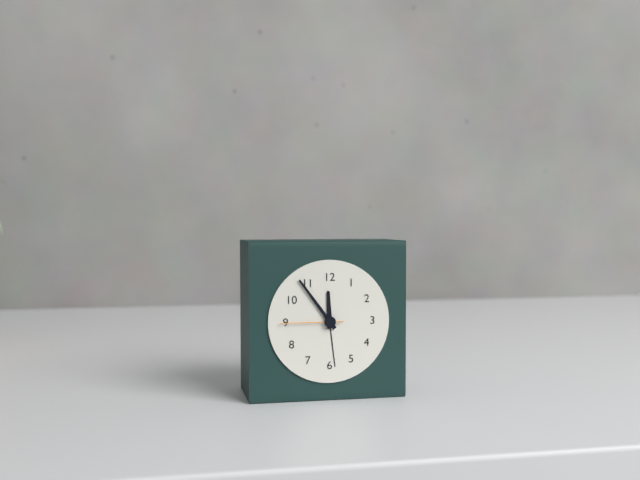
11:54:45
